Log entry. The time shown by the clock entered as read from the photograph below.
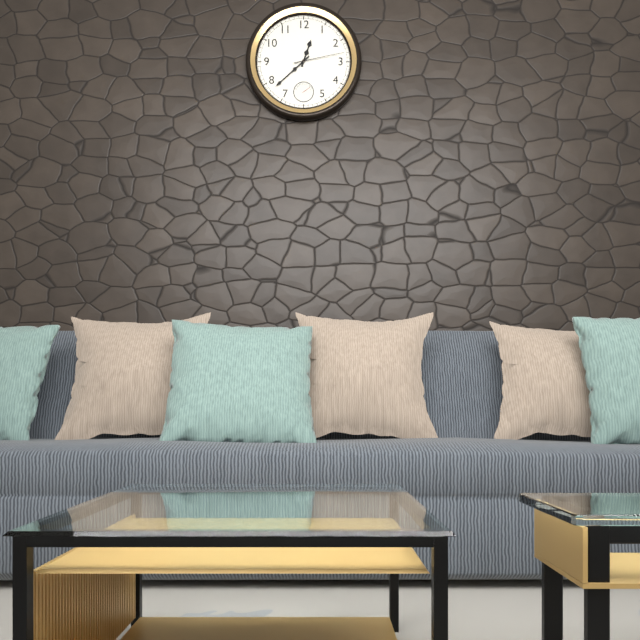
12:38:13
